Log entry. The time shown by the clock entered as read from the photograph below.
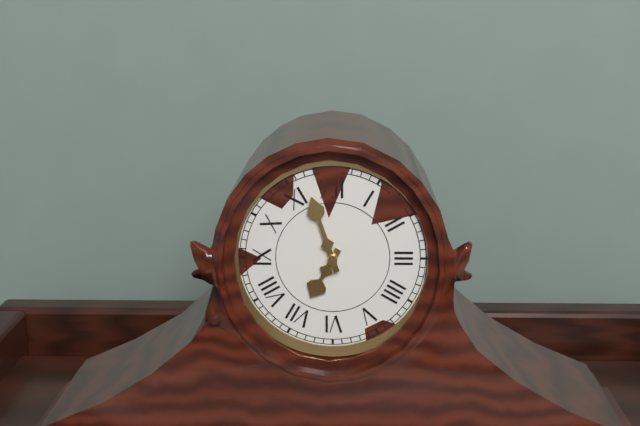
6:57
